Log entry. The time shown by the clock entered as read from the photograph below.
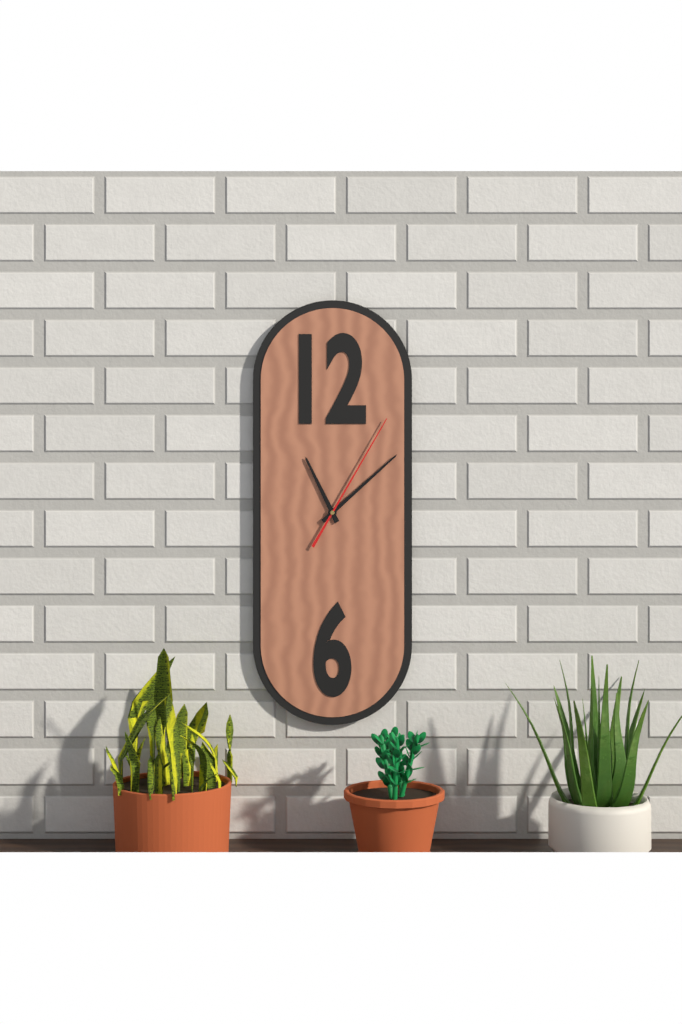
11:08:05
